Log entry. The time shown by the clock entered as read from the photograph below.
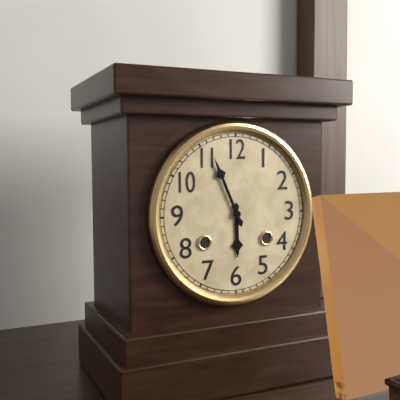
5:56
